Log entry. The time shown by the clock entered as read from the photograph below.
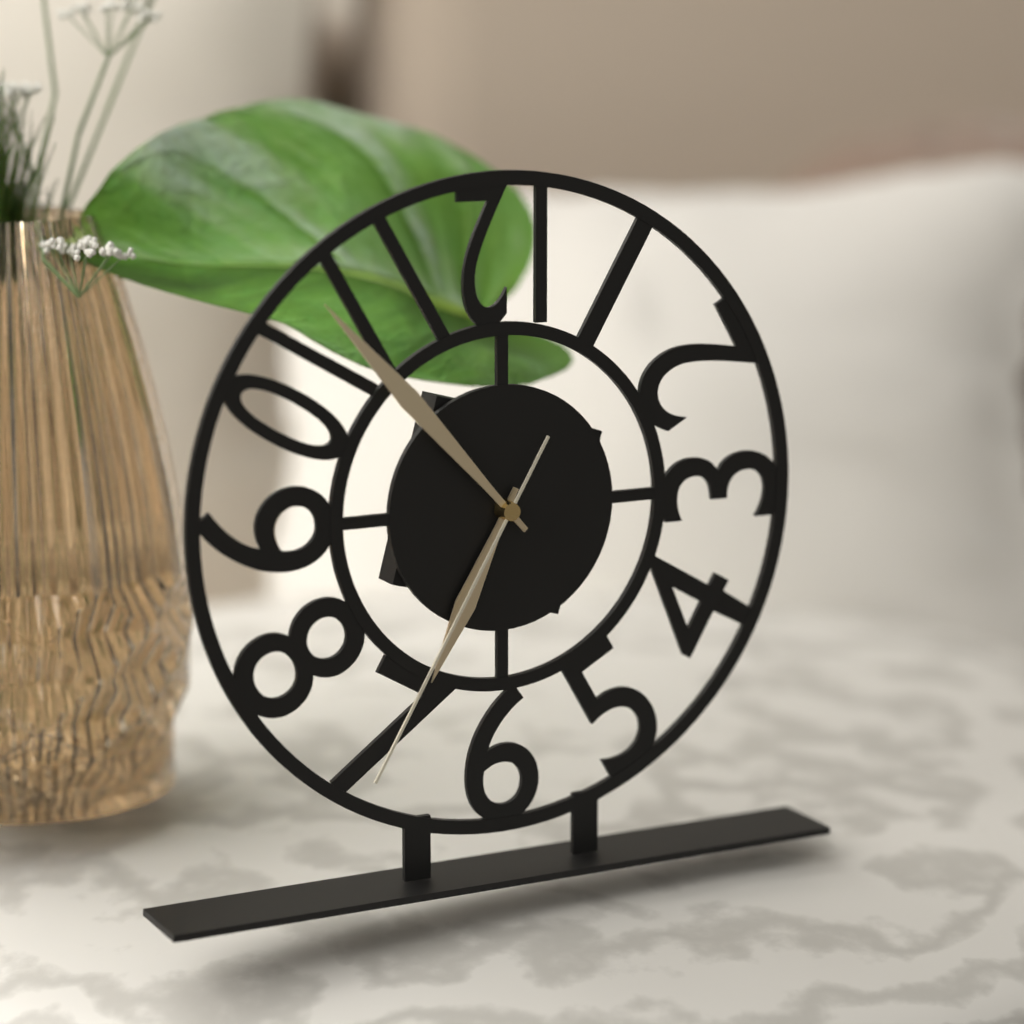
6:53:35
